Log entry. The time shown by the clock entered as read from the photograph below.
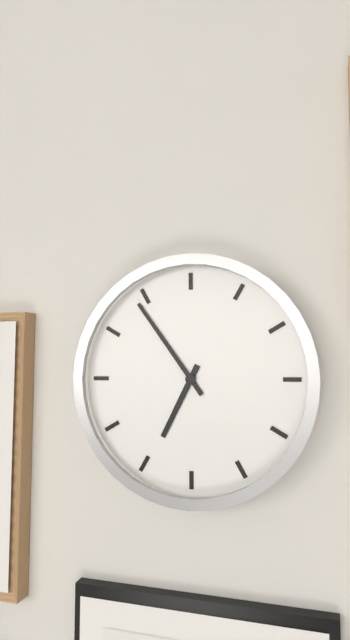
6:54
